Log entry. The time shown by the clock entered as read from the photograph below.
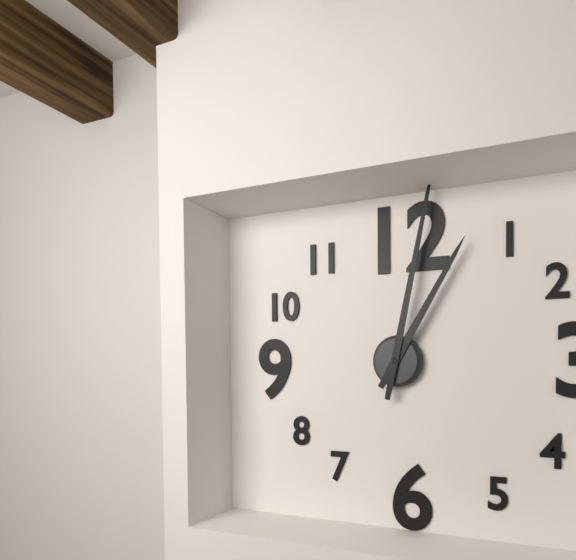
1:02
